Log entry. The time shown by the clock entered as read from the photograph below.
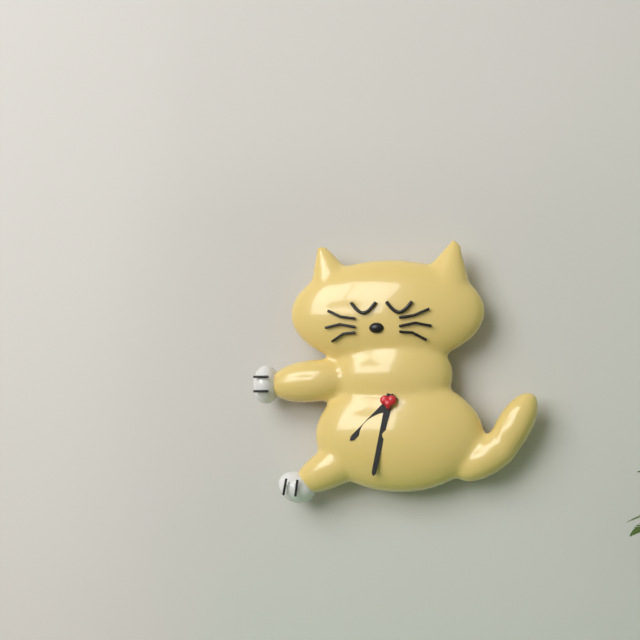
7:32
